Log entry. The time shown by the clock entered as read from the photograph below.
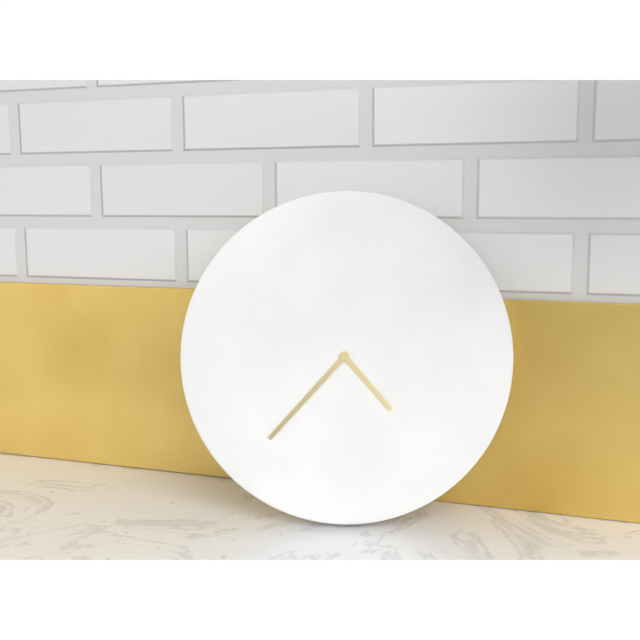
4:37
